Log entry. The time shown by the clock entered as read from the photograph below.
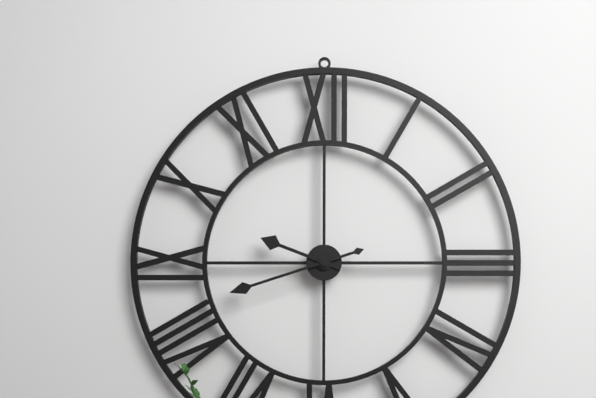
9:42
